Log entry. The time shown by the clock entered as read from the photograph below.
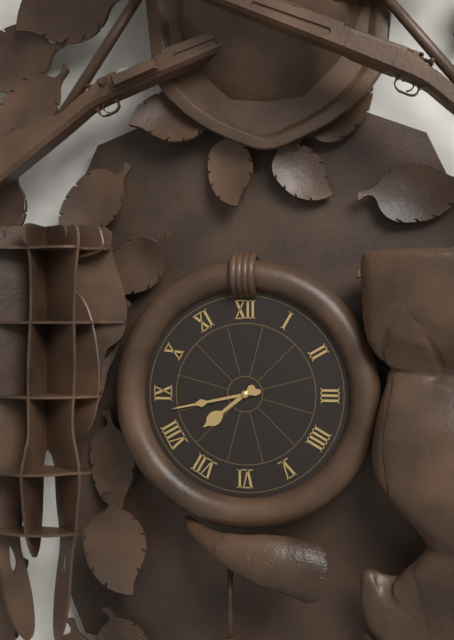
7:43
